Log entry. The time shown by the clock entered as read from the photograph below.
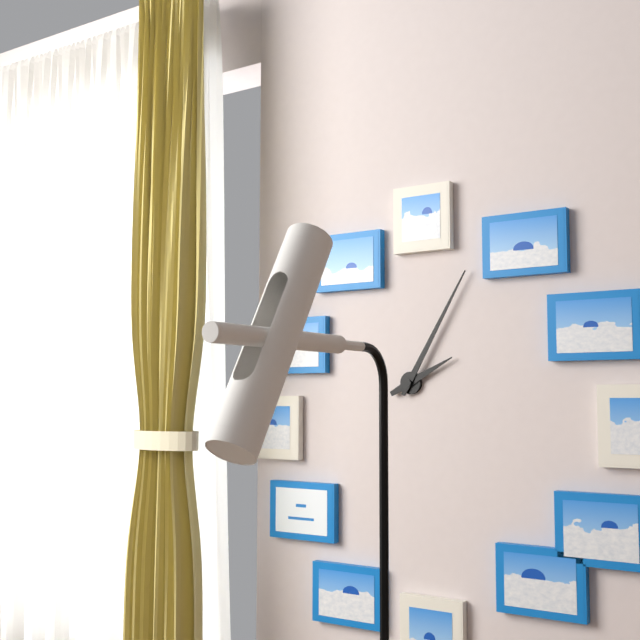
2:05
